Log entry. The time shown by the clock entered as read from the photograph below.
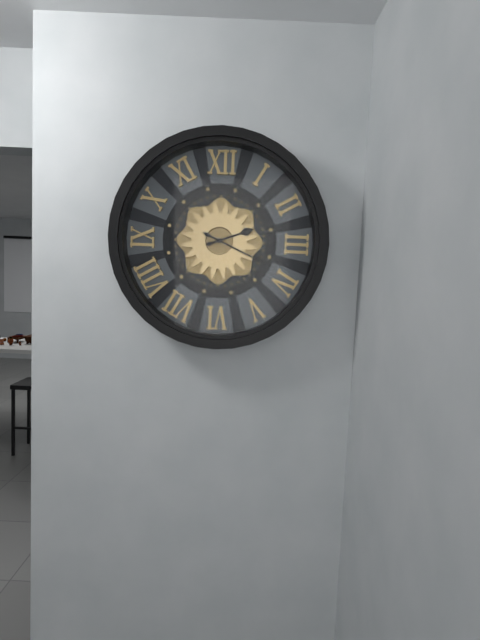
2:19
